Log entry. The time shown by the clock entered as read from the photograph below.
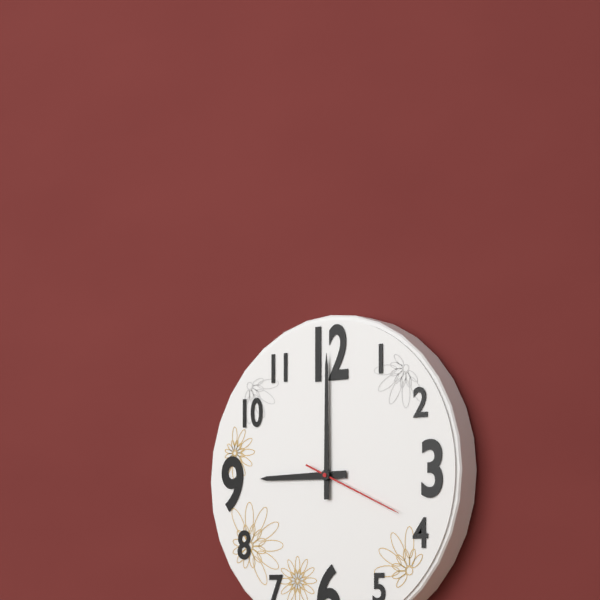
9:00:19
